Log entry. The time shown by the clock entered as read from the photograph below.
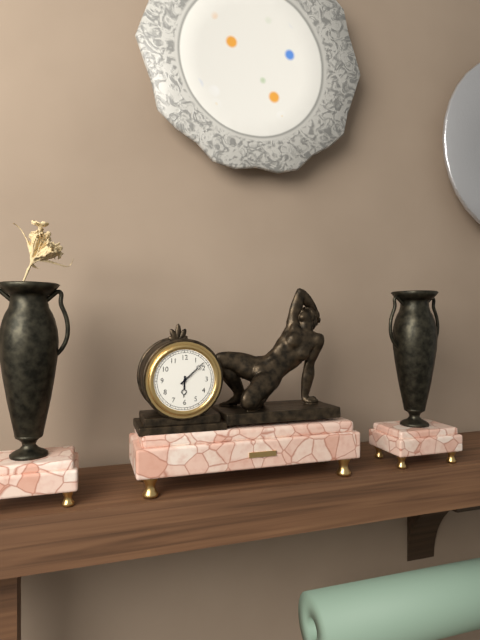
6:08
